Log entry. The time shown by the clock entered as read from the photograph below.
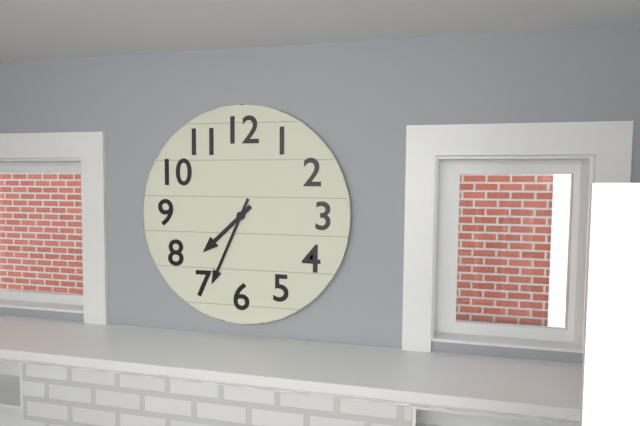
7:34
